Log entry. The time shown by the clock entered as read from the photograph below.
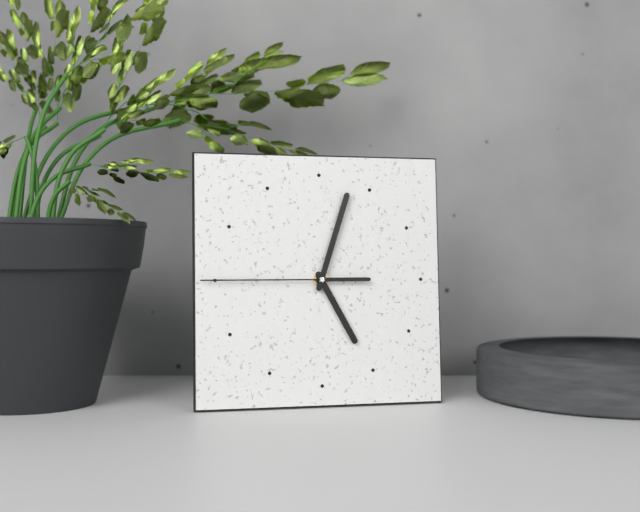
5:03:45
